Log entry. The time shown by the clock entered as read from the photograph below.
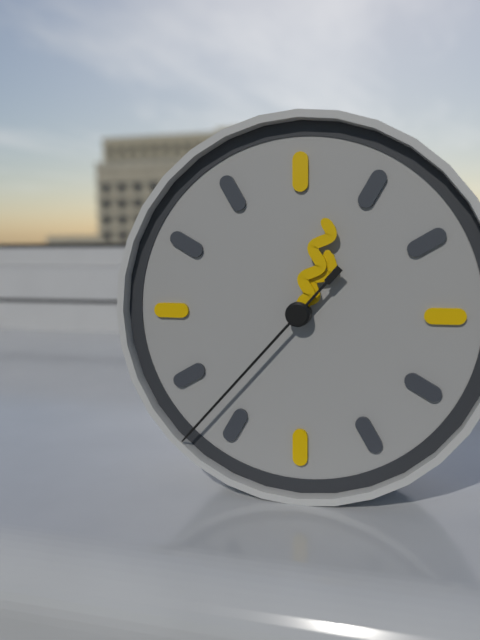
1:03:37
